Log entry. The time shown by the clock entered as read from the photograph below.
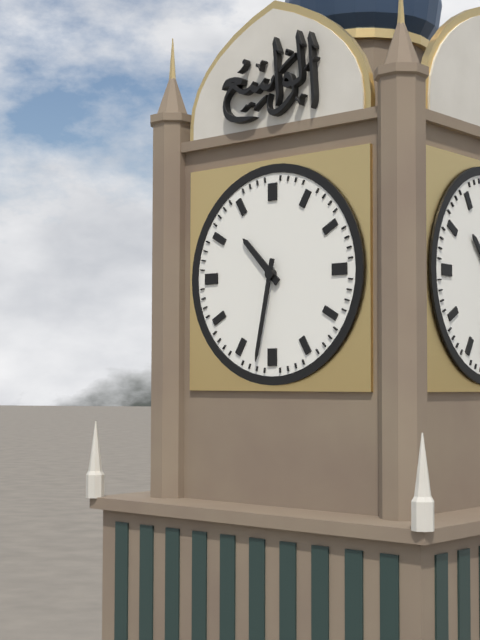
10:32
